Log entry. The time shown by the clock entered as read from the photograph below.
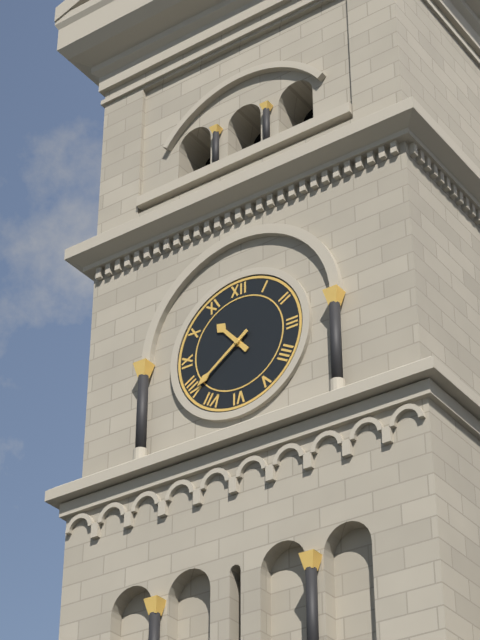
10:39
